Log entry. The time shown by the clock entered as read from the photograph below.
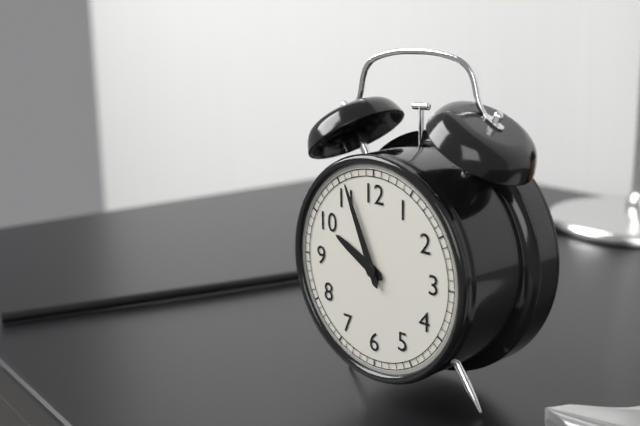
9:56
